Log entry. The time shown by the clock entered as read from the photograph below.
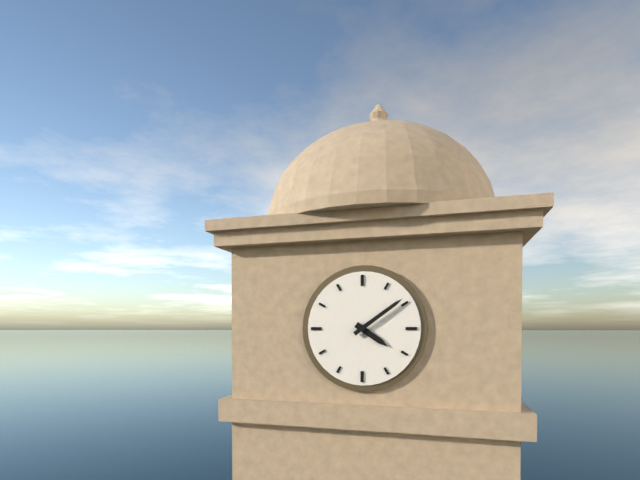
4:09
